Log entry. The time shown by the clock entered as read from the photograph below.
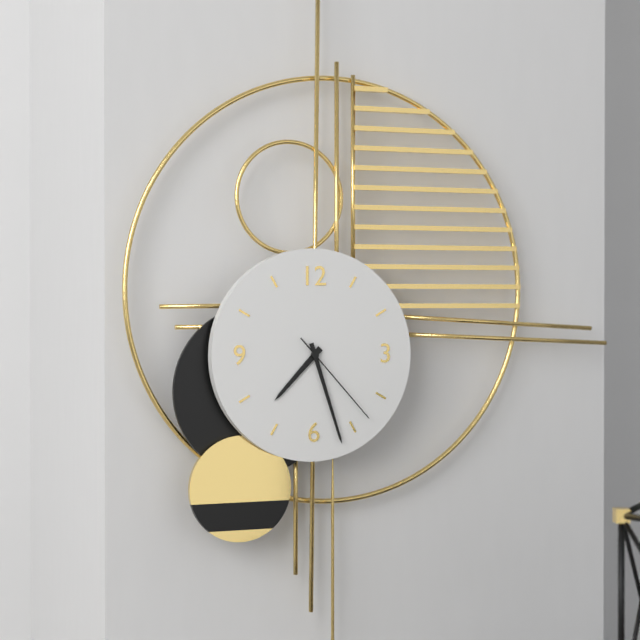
7:27:23
